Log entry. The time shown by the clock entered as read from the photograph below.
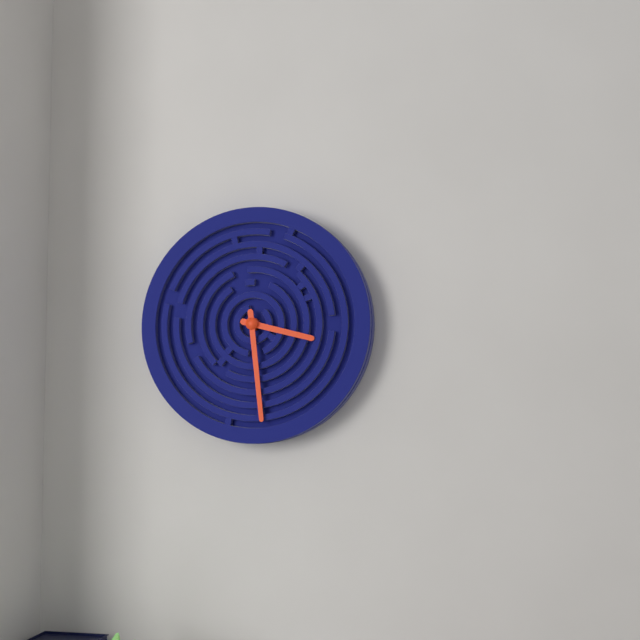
3:29
